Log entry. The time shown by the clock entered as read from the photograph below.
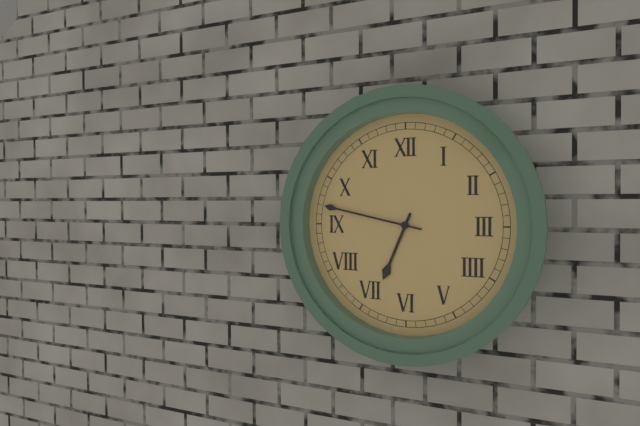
6:47
